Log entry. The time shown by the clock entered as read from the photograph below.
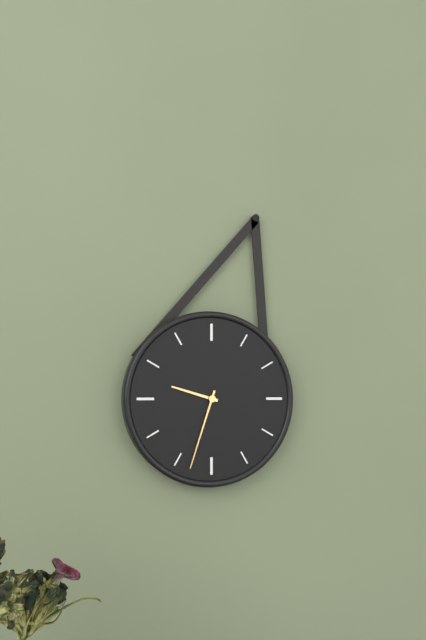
9:33
